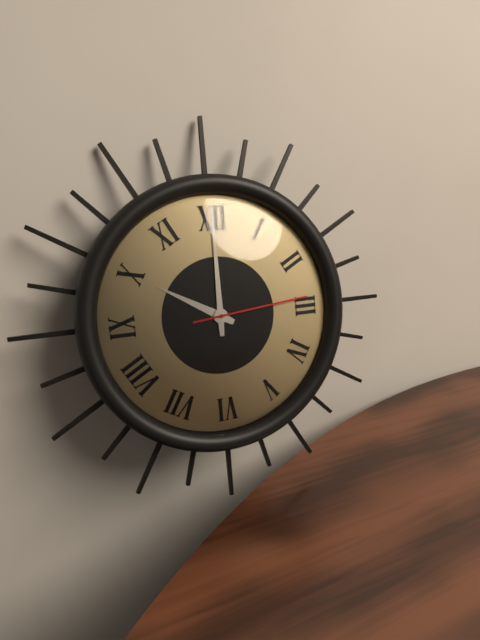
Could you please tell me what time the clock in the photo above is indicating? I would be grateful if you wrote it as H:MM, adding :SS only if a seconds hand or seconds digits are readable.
10:00:14
